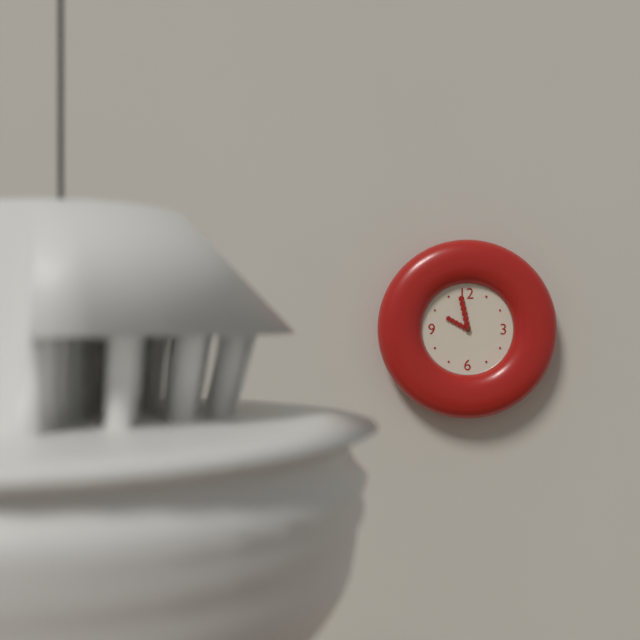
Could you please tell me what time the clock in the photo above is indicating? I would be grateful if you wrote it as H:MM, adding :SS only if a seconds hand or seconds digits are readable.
9:58
